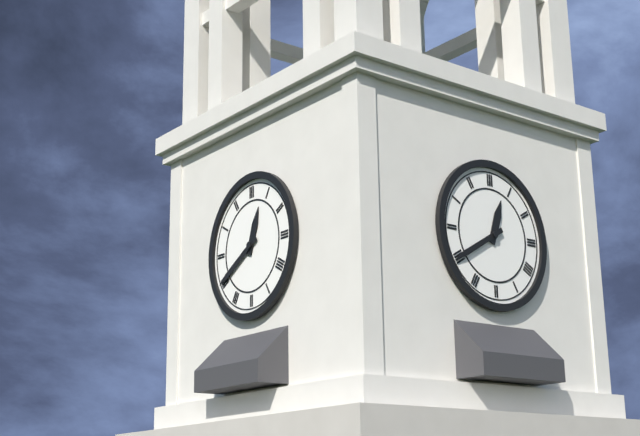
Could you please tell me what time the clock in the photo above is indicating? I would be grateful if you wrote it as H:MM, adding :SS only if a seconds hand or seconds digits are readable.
12:40
